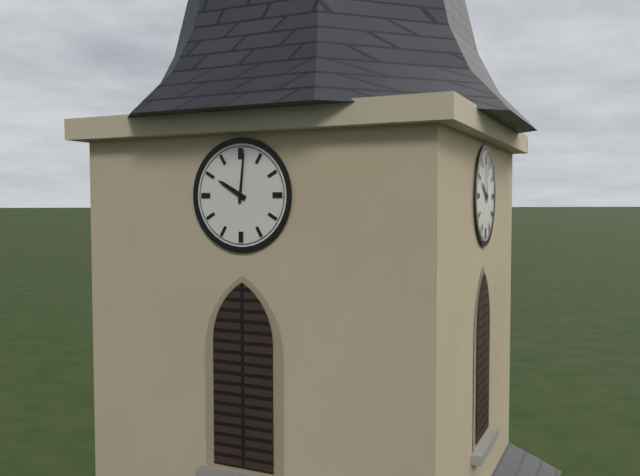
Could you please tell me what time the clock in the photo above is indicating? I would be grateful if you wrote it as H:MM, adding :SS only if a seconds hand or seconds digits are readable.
10:01
